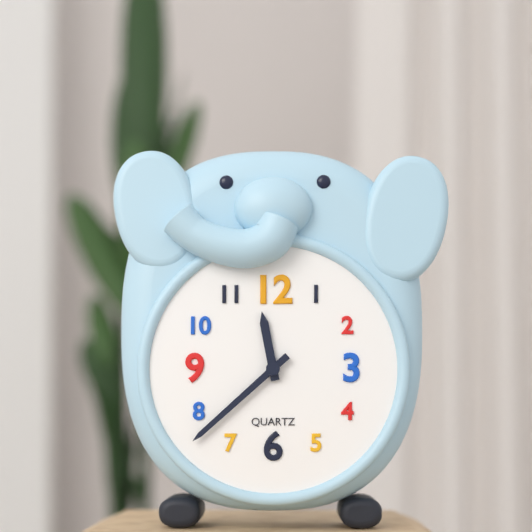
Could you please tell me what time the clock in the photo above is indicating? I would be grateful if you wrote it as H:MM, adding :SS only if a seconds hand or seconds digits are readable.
11:38
